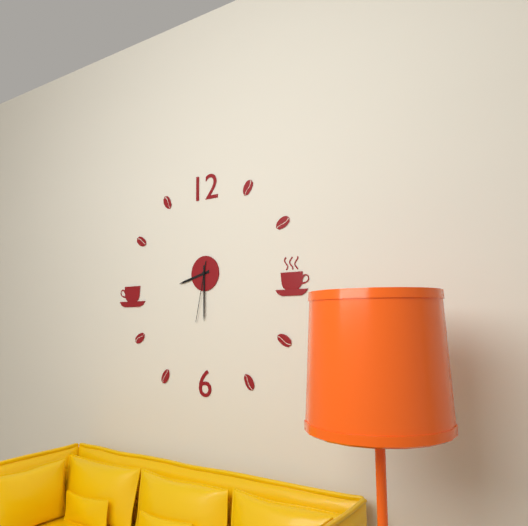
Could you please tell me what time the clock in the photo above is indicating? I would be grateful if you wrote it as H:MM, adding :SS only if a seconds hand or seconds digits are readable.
8:30:32
